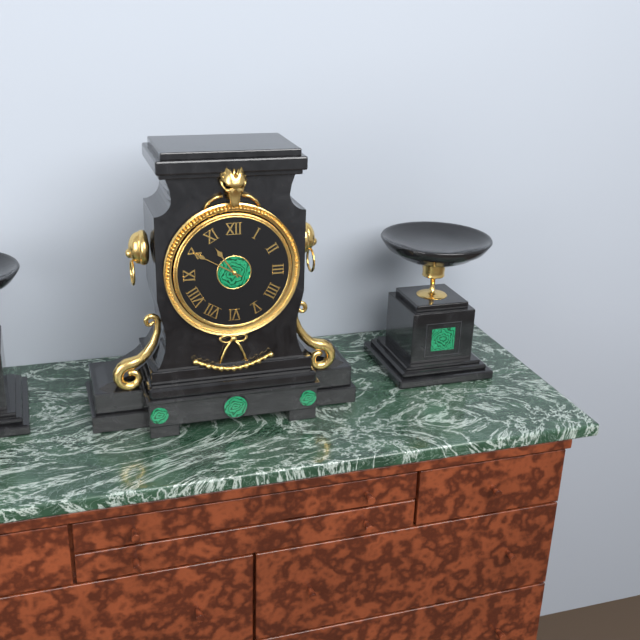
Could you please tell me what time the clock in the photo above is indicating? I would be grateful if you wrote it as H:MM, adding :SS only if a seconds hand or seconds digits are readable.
10:50
